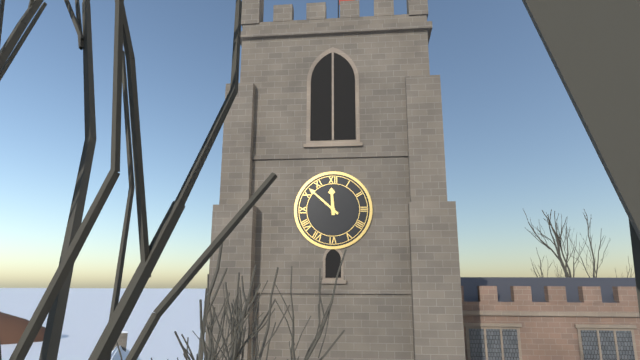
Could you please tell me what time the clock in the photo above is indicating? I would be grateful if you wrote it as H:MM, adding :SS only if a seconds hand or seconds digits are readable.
11:52
